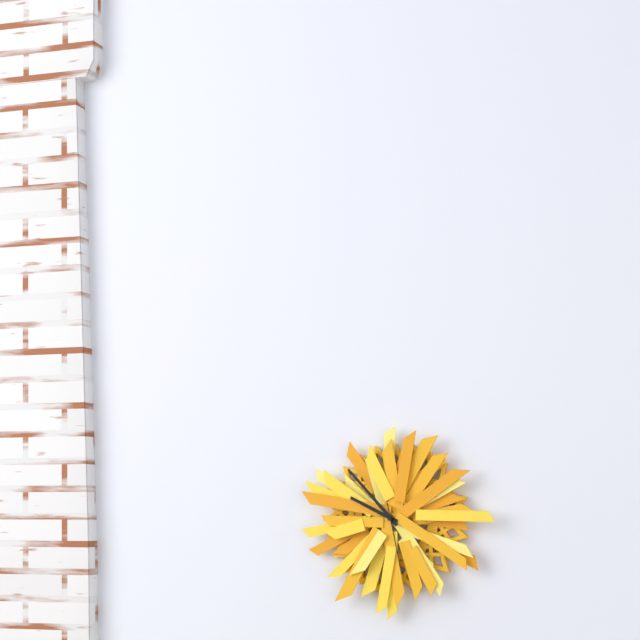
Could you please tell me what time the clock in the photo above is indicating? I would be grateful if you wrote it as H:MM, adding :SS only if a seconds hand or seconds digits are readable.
9:53:28
